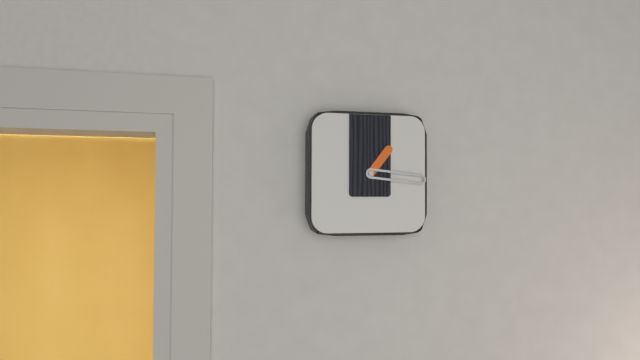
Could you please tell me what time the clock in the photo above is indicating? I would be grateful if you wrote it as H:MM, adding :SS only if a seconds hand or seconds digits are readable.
1:16
